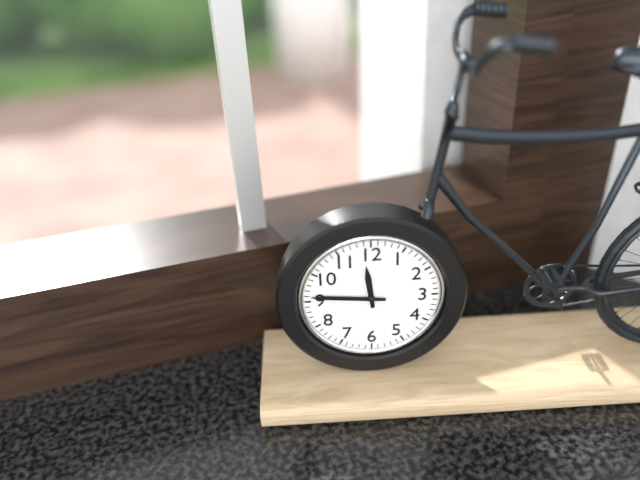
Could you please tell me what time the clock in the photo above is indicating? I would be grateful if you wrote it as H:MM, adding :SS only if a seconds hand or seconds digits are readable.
11:46
